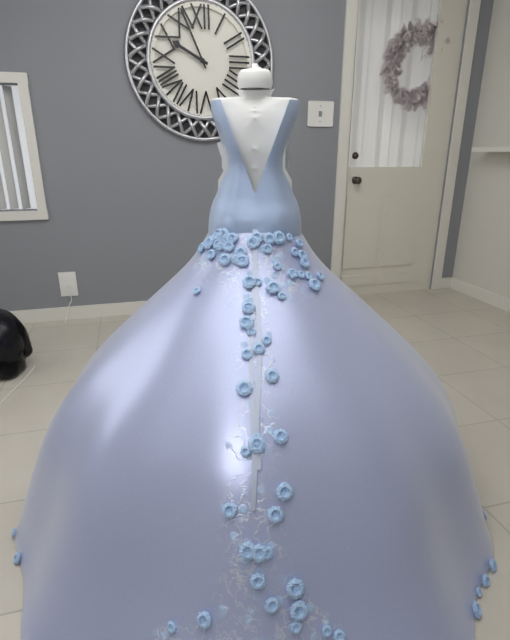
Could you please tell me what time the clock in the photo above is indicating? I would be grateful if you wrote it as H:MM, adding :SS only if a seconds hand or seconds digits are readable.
9:56
